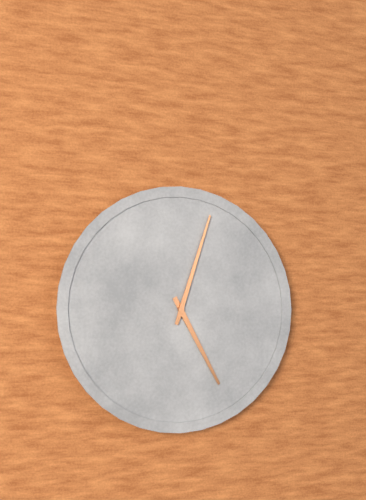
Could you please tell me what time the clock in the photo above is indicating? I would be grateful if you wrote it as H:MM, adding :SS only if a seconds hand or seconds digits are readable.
5:03
